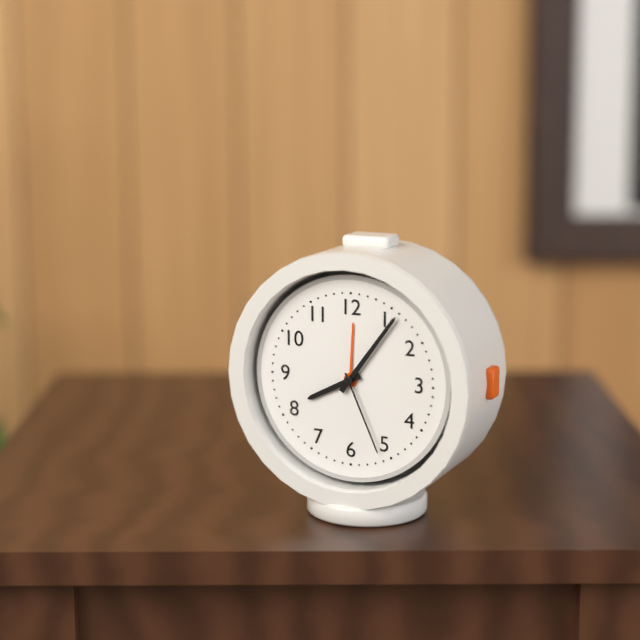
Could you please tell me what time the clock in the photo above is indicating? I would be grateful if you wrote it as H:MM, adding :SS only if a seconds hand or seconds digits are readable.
8:06:26
